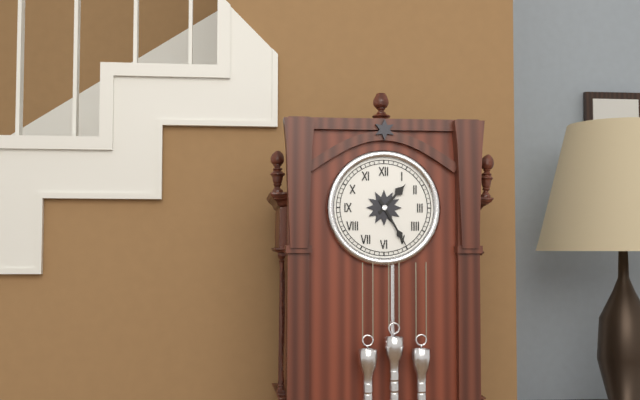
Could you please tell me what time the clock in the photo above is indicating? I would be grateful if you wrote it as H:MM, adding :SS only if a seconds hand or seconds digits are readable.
1:25
